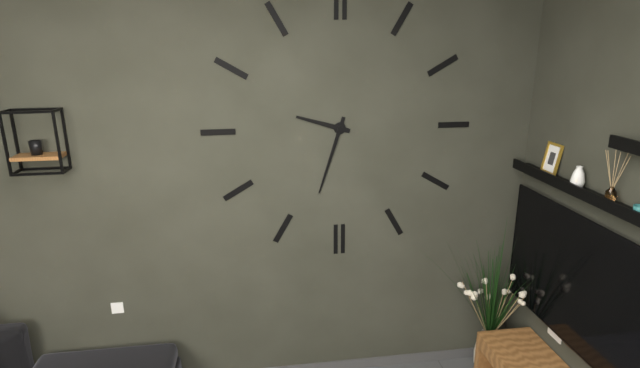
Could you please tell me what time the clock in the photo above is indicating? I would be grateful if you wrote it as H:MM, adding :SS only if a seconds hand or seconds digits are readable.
9:33
